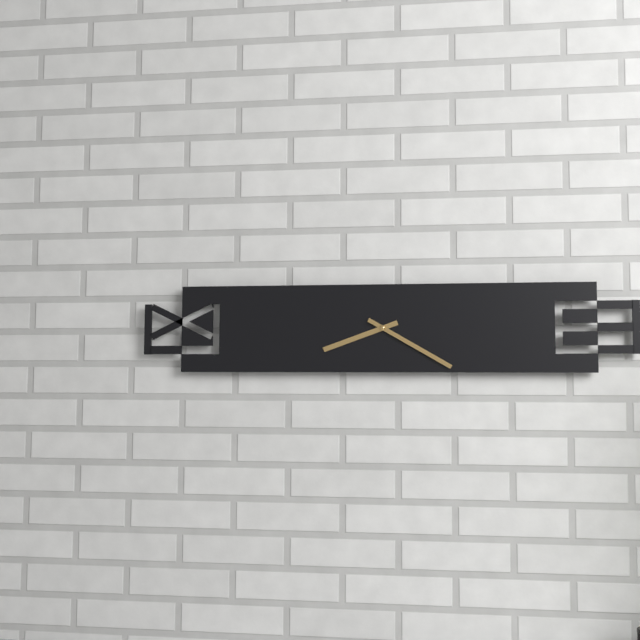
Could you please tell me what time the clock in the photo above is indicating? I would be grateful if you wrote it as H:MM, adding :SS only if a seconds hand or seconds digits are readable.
8:20
